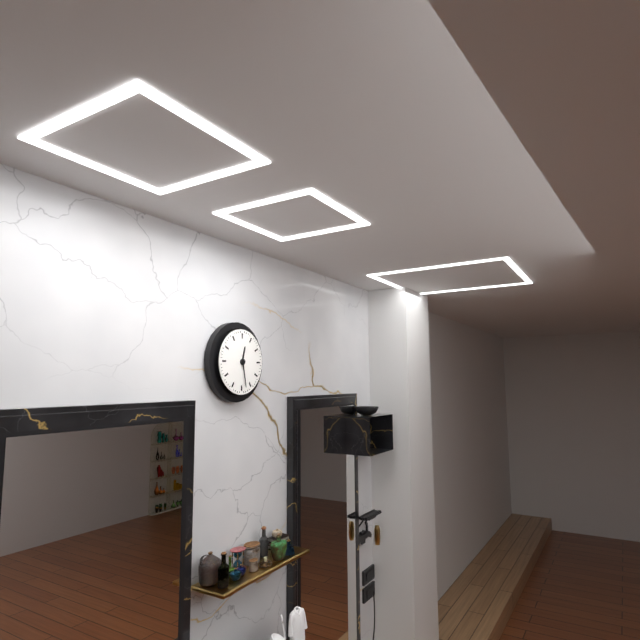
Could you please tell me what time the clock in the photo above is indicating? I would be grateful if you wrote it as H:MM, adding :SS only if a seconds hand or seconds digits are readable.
12:28
